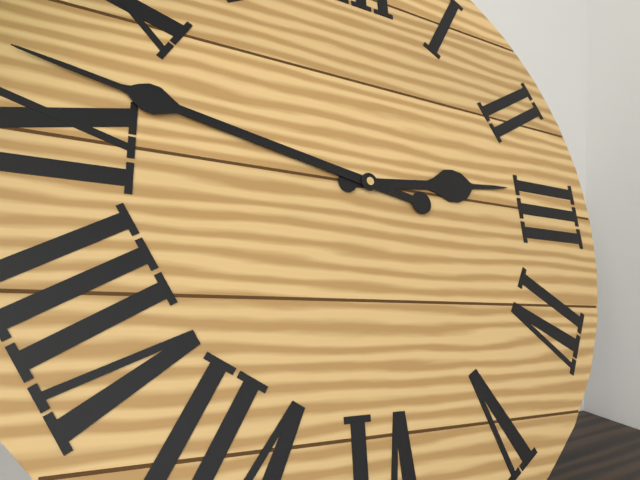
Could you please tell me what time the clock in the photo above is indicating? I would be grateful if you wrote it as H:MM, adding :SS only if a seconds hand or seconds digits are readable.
2:47
